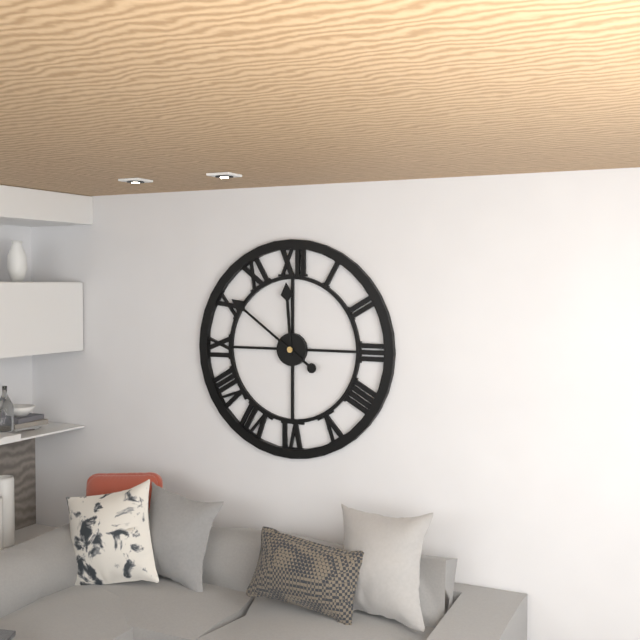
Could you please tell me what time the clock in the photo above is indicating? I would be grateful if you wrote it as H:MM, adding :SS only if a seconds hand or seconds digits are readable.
11:51
